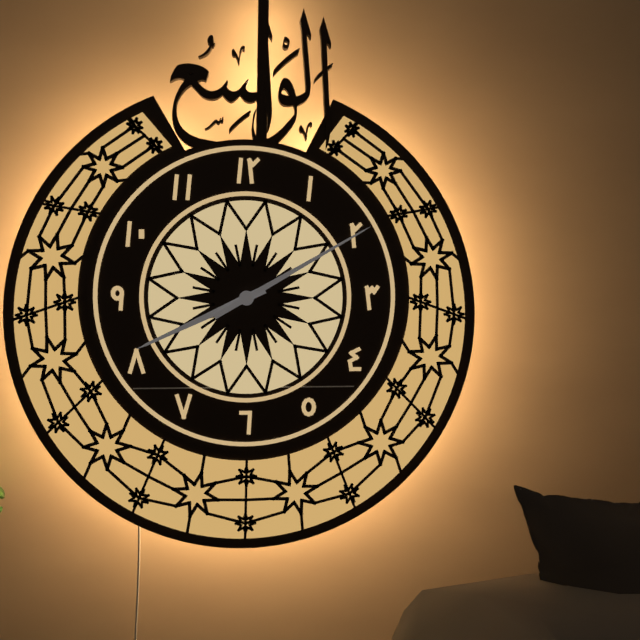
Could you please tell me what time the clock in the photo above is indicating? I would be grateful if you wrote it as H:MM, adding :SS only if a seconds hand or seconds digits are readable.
8:10
